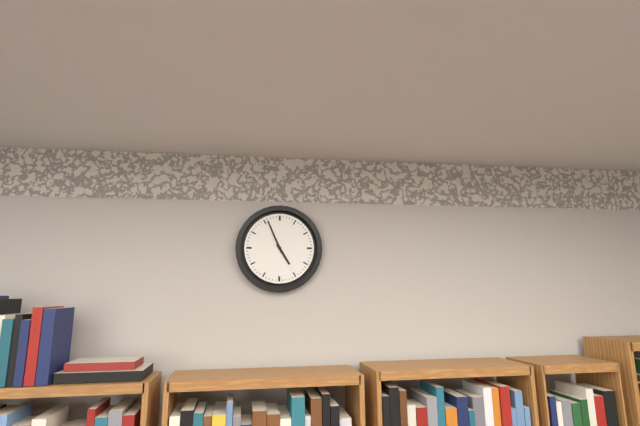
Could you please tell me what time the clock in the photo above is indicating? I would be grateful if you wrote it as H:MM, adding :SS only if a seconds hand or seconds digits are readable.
4:56
